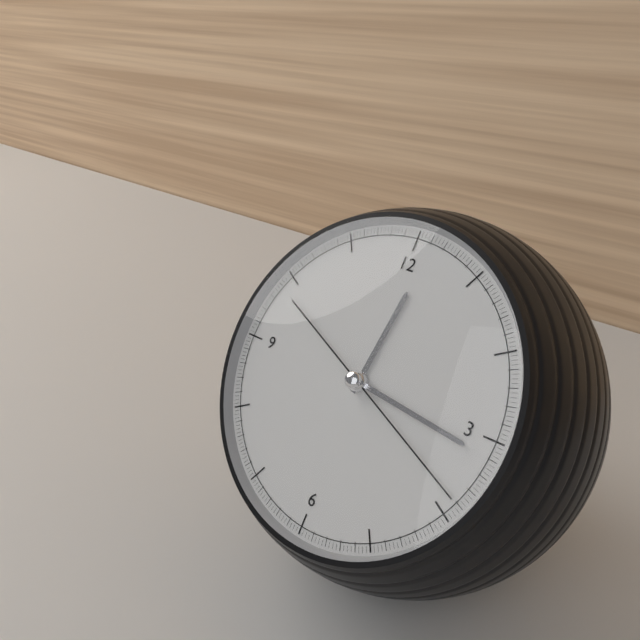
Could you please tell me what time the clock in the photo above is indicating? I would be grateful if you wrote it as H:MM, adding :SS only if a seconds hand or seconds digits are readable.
12:16:19
